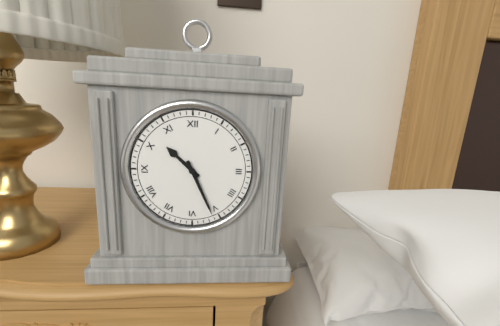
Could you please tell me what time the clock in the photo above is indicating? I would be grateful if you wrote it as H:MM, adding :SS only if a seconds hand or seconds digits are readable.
10:26
